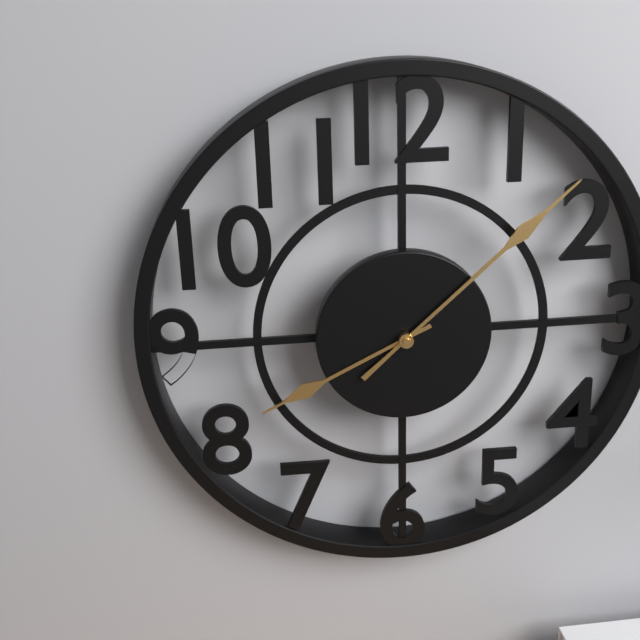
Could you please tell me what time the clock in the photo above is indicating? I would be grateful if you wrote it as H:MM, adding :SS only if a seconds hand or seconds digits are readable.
8:08
